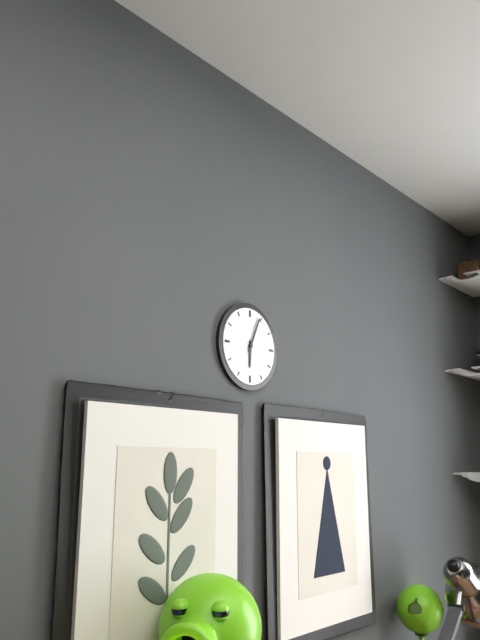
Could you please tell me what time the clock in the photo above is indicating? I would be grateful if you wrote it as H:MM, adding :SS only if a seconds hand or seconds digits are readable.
6:04
